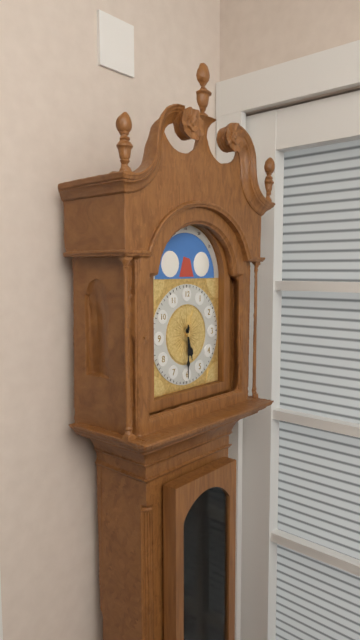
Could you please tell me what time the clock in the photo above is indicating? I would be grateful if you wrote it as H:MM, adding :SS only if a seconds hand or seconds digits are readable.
5:30
